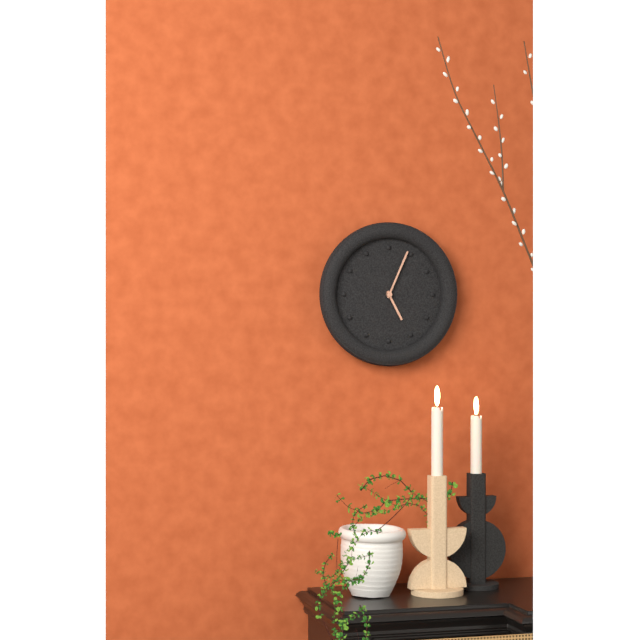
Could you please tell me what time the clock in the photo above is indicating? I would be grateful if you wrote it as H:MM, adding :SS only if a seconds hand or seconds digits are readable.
5:04
